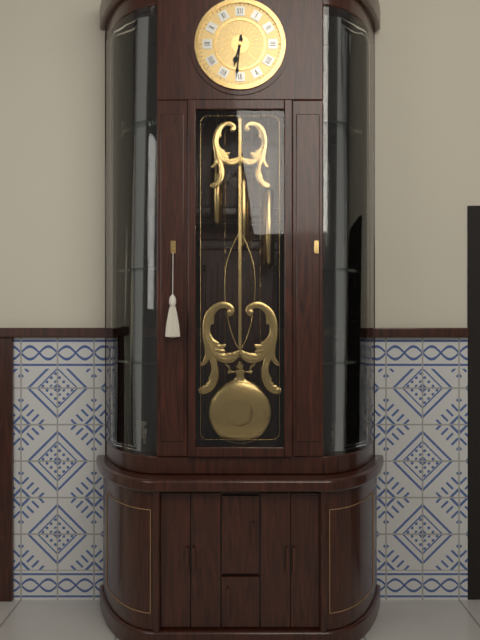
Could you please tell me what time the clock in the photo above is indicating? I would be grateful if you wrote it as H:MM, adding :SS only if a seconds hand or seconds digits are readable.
6:31
